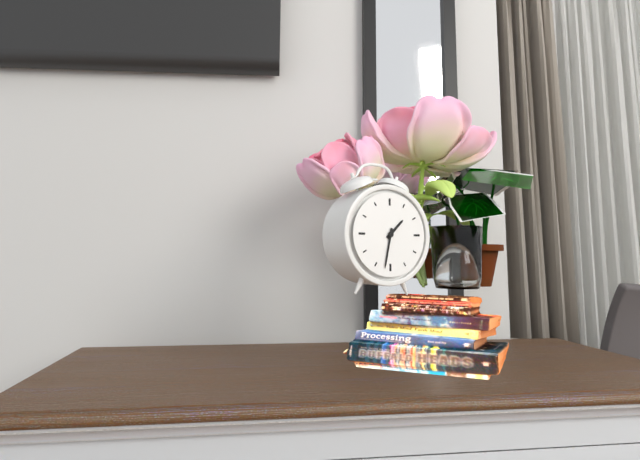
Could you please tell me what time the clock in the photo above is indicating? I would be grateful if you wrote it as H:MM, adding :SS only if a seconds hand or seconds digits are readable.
1:32
